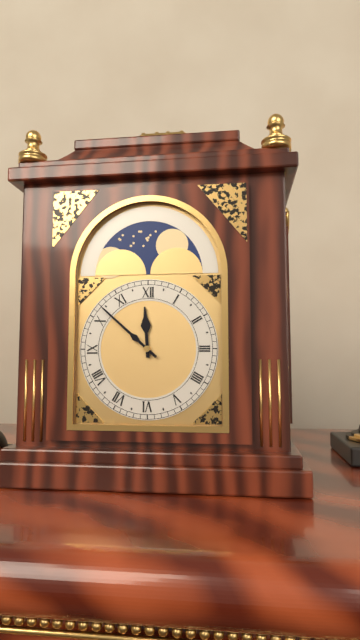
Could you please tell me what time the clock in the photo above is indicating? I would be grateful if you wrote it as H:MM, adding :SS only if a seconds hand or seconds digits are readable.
11:52
